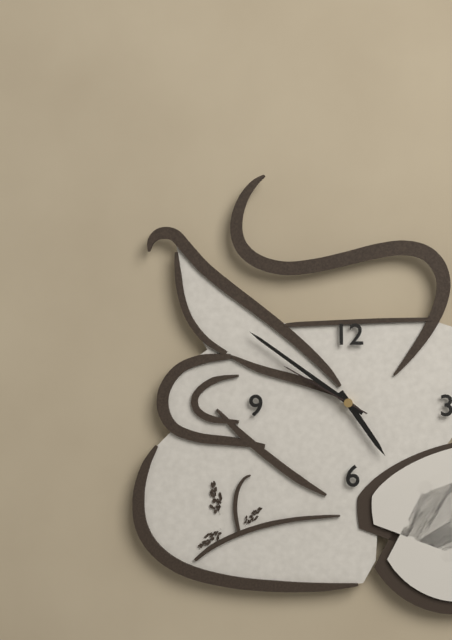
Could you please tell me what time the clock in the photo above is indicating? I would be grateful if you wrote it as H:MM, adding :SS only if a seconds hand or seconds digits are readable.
4:51:50
